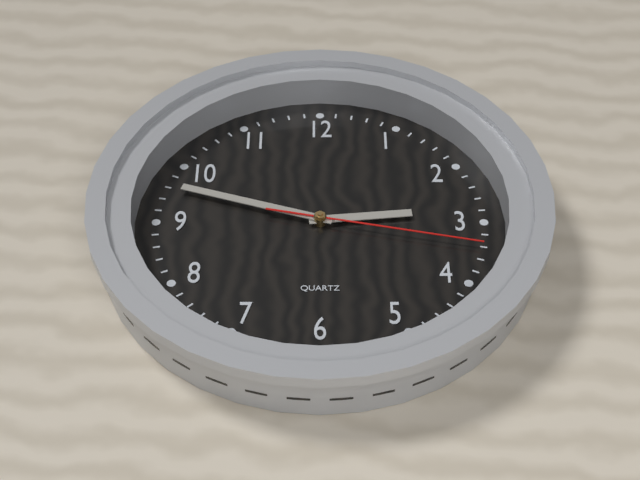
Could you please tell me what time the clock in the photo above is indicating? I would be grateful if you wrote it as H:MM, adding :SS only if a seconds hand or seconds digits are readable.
2:48:17
